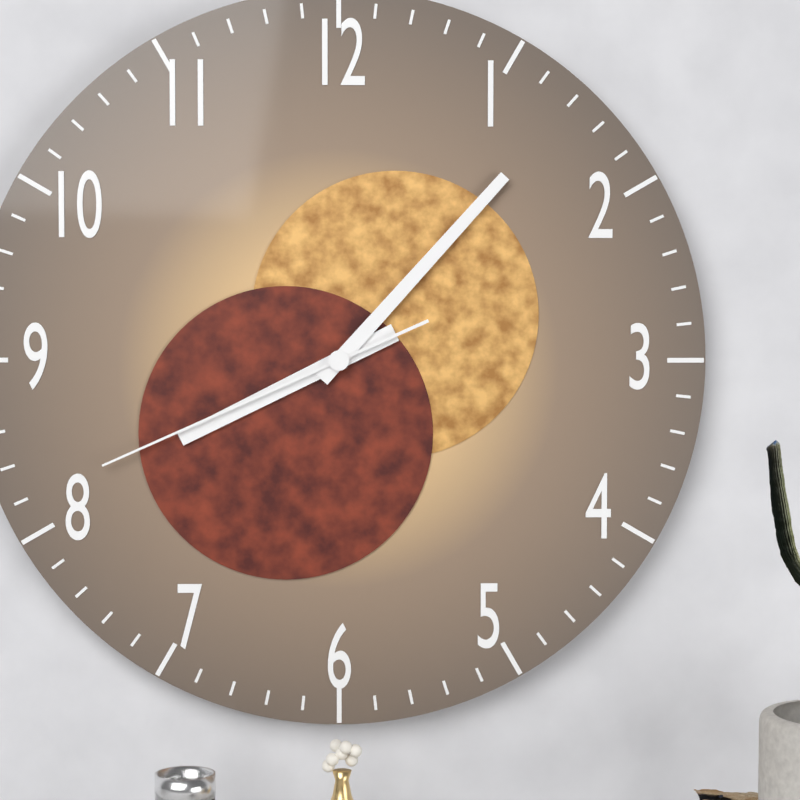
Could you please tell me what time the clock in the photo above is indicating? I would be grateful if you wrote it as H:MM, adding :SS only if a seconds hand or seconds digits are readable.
8:07:41
